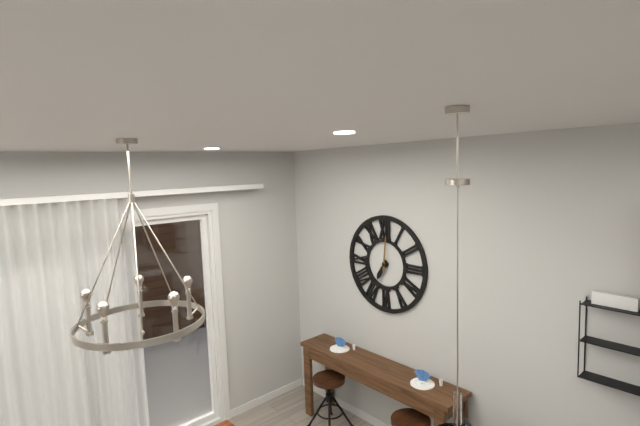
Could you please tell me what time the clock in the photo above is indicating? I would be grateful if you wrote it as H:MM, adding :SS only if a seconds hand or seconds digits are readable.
7:01
